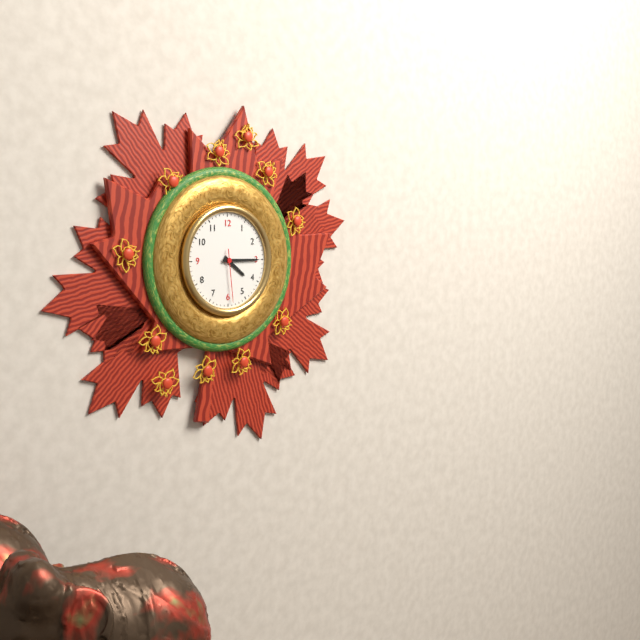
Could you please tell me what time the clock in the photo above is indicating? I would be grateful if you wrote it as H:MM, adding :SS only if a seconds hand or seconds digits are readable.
4:15:29
